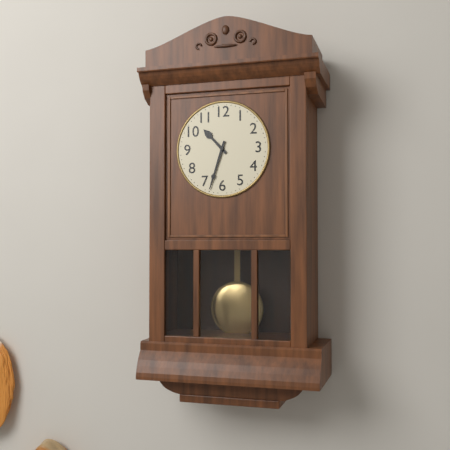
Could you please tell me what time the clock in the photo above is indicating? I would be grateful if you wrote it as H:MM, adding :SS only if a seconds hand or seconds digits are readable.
10:33
